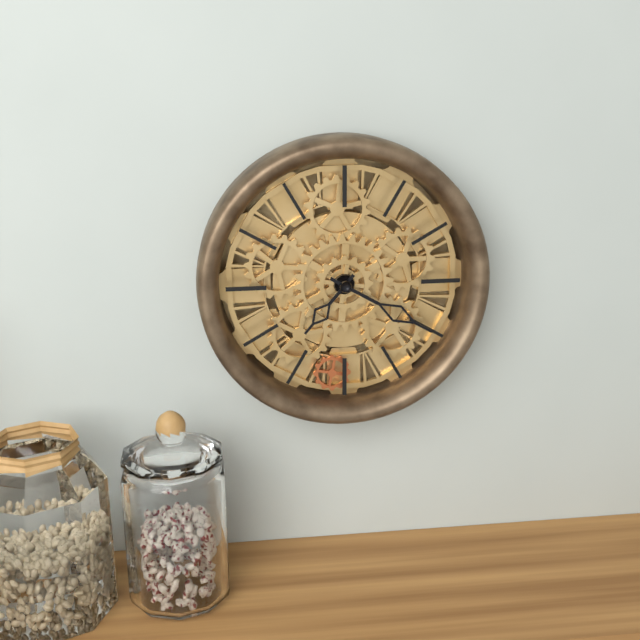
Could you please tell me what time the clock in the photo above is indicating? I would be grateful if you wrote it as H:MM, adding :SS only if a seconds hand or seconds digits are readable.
7:20
